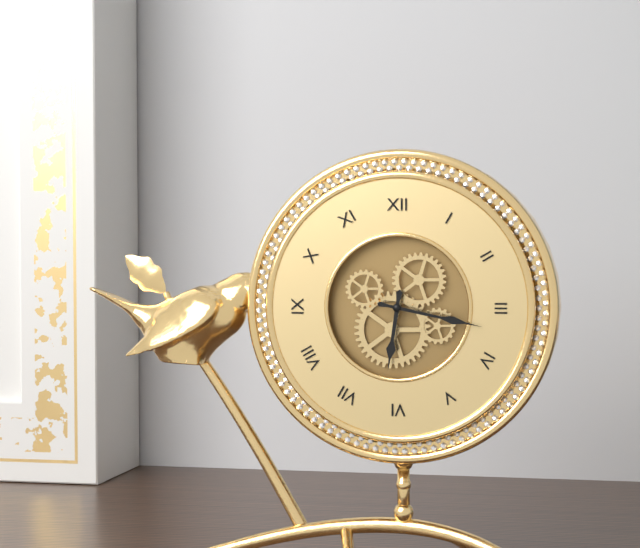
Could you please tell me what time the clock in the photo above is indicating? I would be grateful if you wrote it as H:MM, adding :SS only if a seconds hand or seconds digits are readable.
6:17
